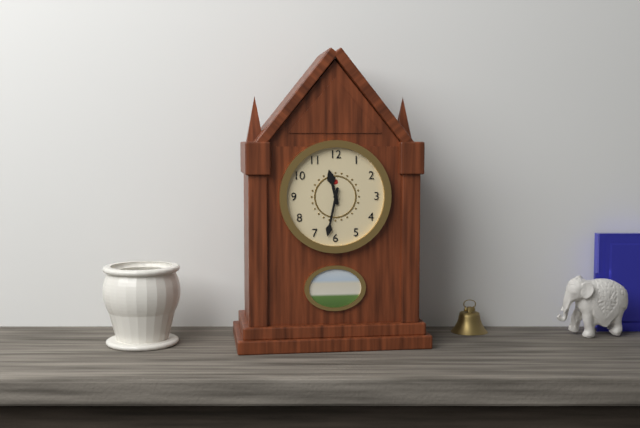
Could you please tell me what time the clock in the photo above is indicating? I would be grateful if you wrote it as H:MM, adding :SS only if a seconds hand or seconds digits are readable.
11:32
